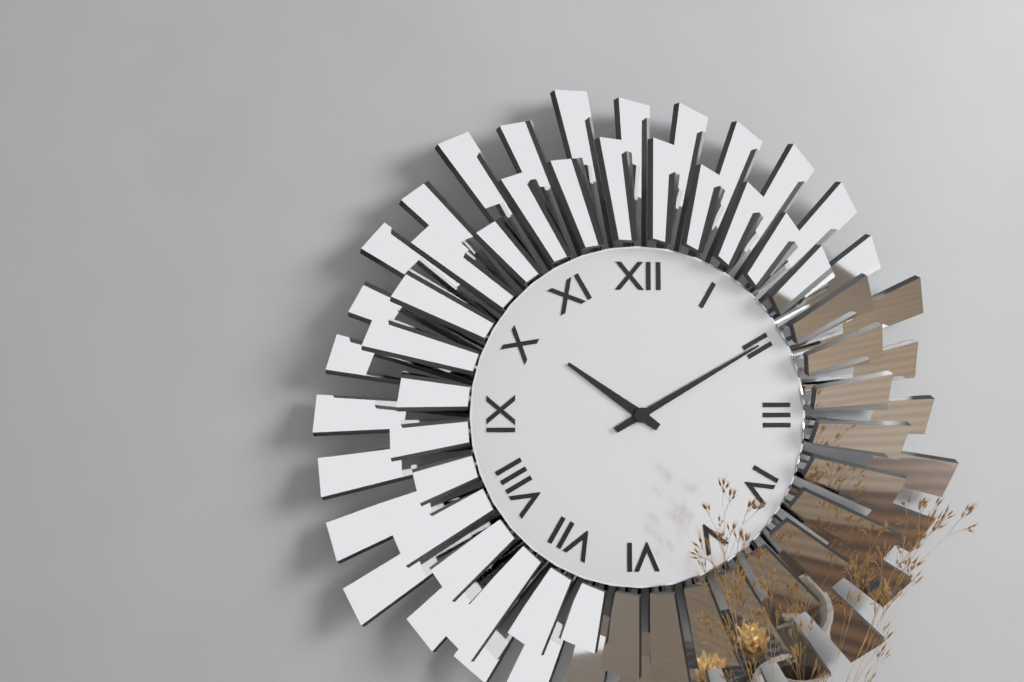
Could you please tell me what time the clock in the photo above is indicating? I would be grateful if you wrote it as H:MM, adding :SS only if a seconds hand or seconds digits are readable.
10:10
